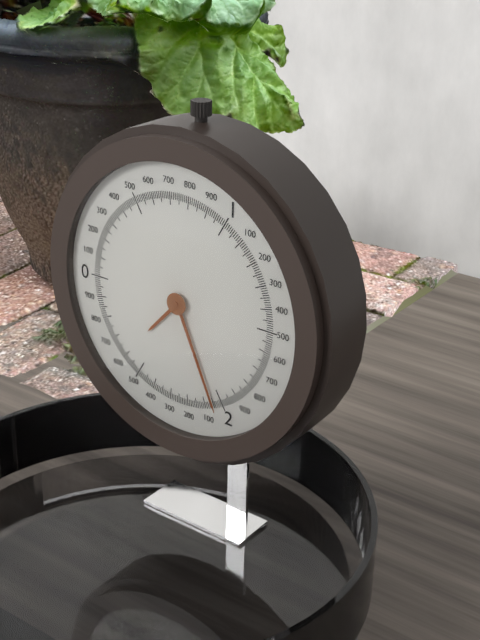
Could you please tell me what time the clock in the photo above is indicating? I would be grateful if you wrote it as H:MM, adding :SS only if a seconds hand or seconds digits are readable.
7:26
